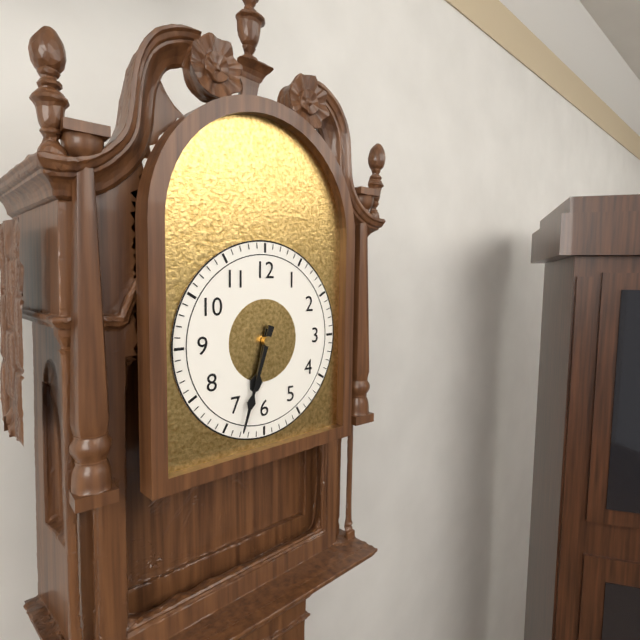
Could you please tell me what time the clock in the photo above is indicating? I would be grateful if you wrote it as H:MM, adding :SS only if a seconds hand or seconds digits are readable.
6:33
